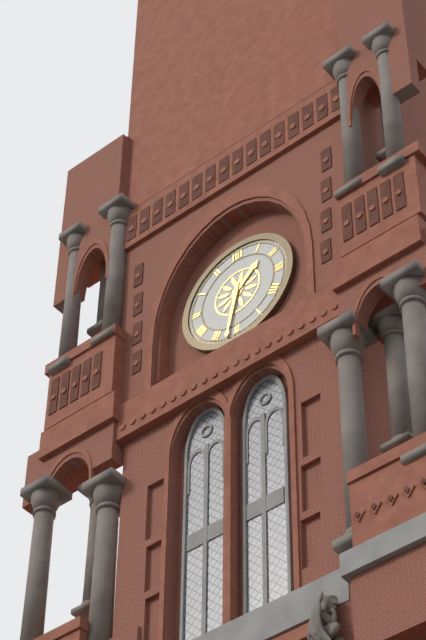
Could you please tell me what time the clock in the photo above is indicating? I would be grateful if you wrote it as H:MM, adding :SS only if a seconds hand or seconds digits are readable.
1:32
